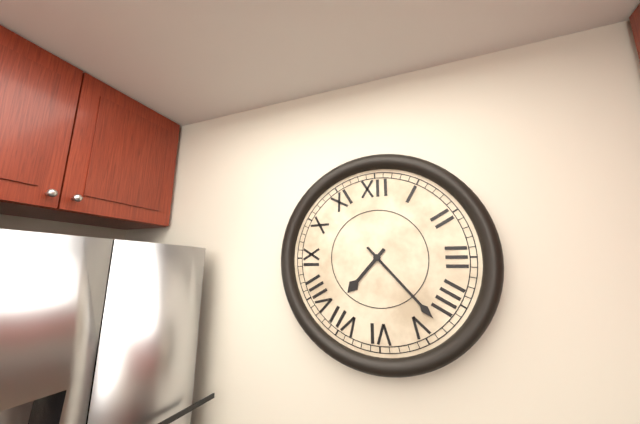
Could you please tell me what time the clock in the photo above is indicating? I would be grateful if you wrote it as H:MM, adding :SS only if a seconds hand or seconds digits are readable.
7:23
